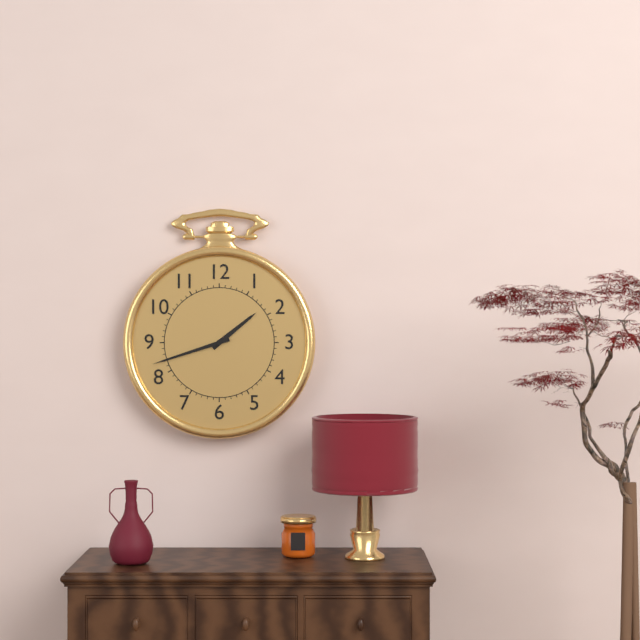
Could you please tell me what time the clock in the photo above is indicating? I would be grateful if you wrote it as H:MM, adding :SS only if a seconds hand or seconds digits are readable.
1:42
